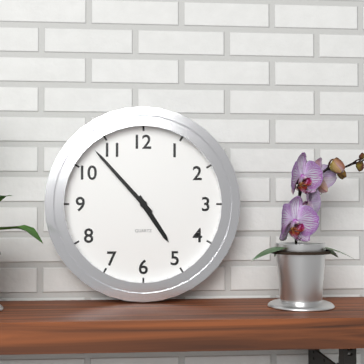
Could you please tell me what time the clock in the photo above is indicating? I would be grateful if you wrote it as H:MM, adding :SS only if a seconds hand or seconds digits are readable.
4:53
